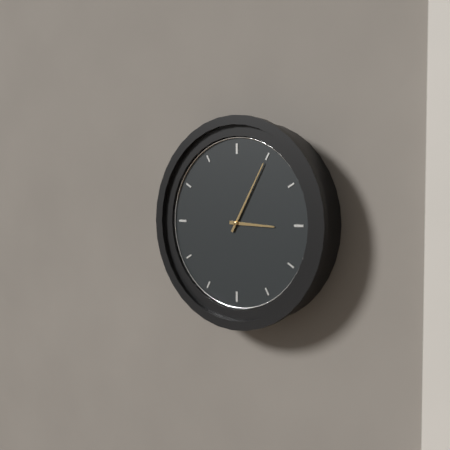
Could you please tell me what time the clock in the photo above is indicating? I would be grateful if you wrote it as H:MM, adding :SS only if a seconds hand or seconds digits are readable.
3:05
